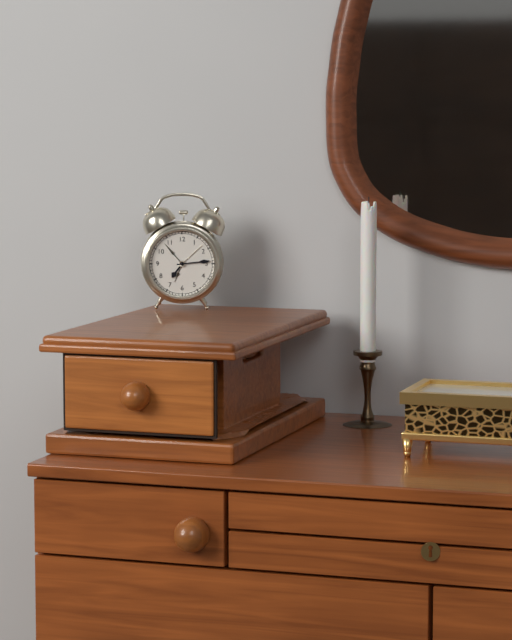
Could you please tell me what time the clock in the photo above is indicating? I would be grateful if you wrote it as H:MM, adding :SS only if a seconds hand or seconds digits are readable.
7:14
